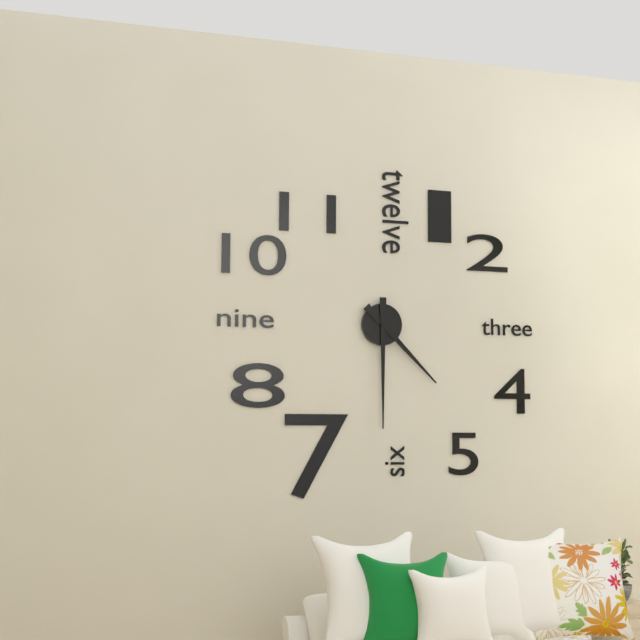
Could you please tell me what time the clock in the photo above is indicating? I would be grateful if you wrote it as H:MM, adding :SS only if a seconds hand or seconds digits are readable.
4:30
